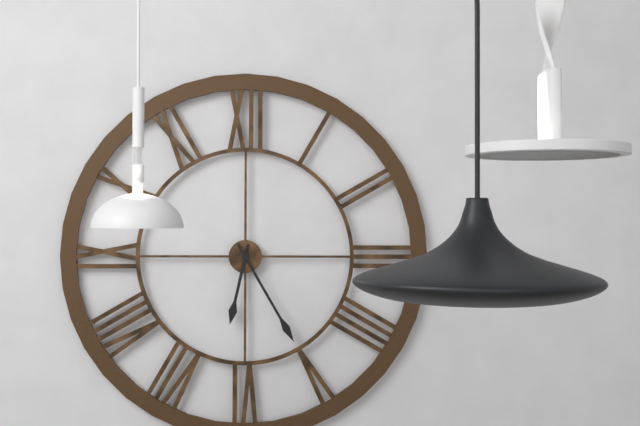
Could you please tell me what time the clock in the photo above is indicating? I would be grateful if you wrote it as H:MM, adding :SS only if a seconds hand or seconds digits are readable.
6:25
